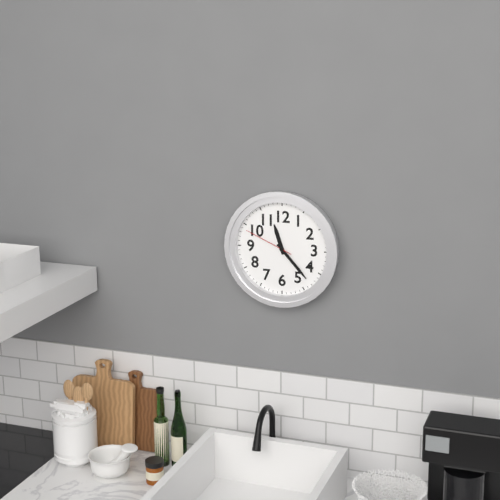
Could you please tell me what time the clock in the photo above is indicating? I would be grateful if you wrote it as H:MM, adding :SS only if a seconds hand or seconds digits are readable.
11:23:49
